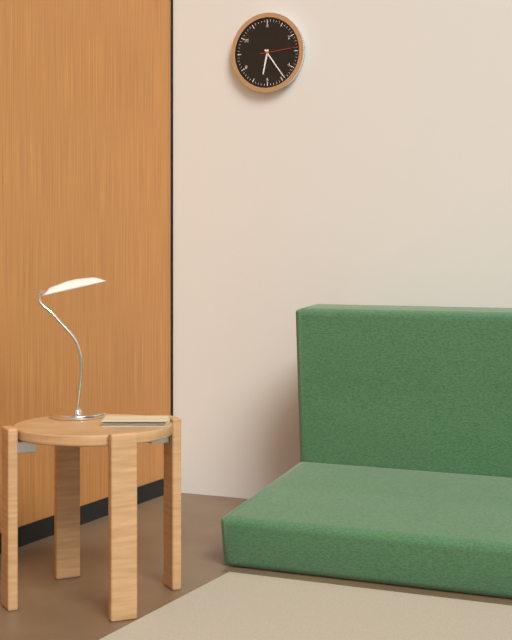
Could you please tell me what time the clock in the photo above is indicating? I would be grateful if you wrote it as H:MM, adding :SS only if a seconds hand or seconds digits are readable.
6:24
